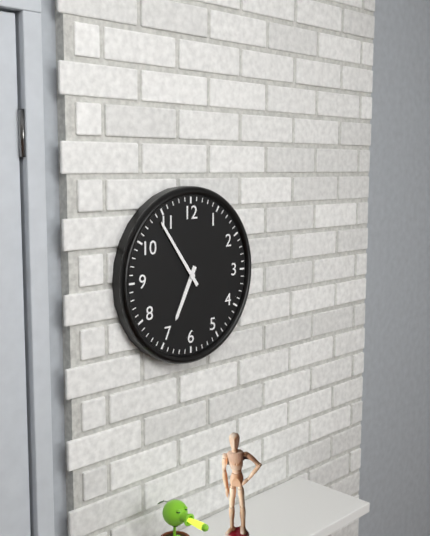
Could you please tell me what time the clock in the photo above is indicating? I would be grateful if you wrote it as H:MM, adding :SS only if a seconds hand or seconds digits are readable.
6:54
